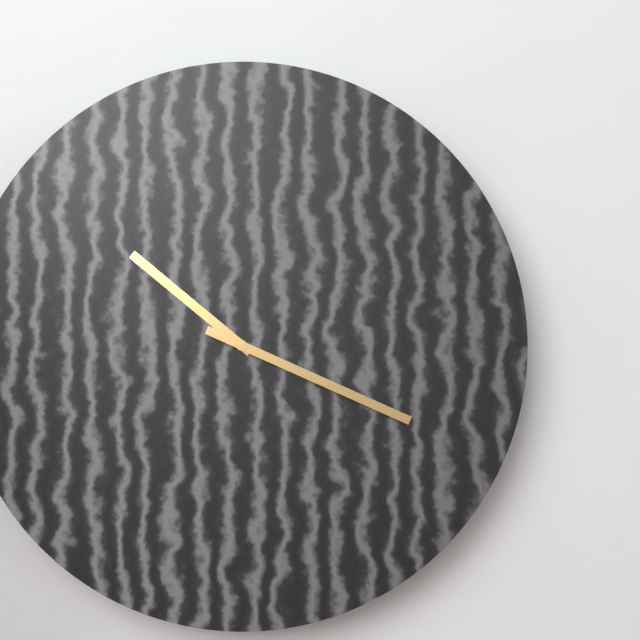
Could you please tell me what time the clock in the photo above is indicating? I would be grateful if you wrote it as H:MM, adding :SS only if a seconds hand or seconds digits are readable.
10:19
